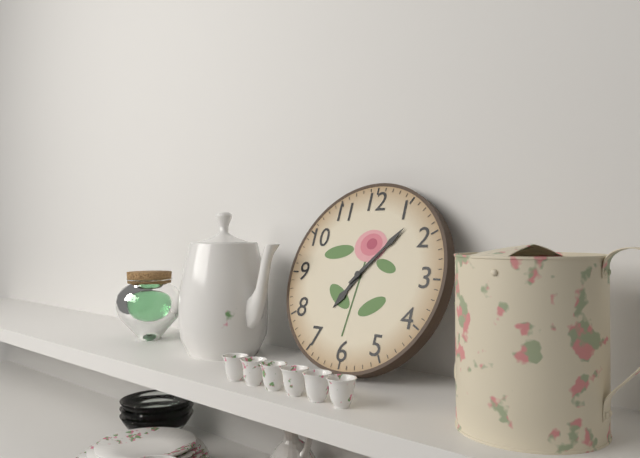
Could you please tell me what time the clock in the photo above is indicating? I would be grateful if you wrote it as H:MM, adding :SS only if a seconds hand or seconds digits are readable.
7:07
